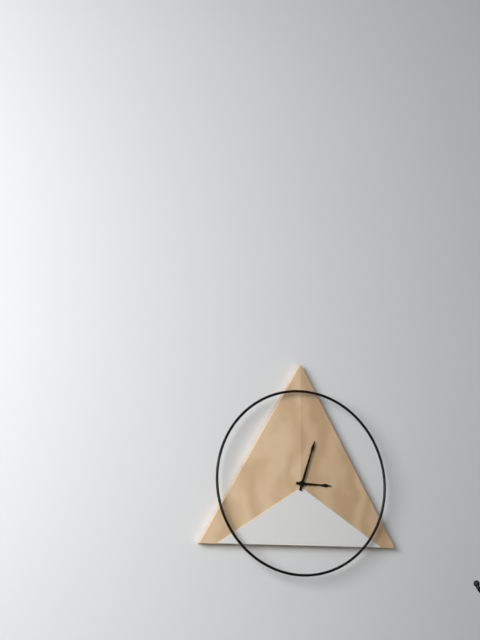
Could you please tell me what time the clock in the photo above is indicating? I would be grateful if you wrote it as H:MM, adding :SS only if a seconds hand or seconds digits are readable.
3:03
